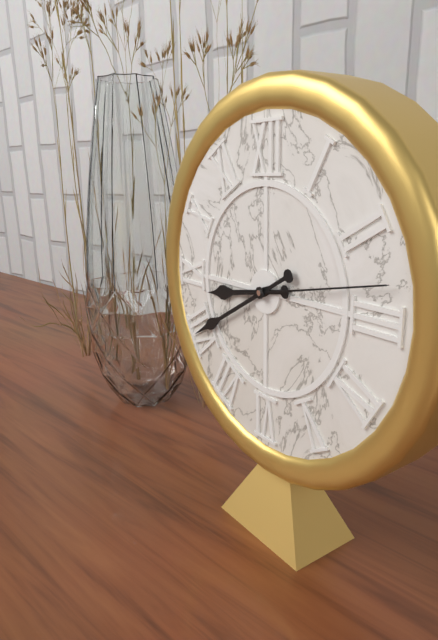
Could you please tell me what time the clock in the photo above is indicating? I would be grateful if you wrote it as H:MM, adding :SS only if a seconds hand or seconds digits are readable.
8:40:13
